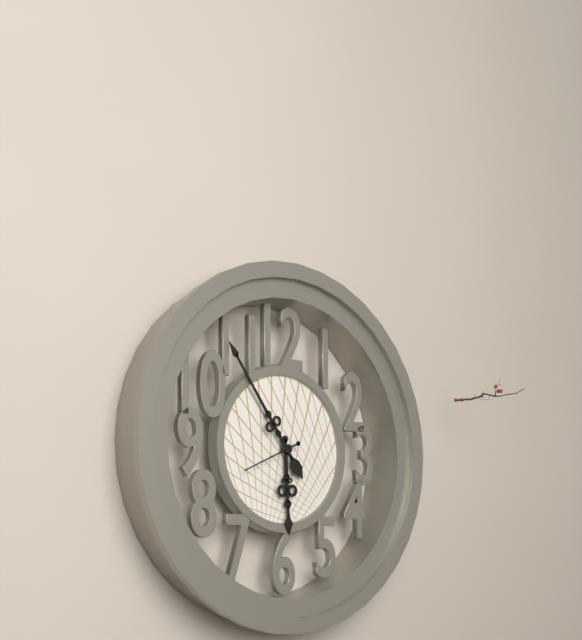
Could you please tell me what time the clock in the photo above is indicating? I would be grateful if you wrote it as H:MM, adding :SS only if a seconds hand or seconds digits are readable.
5:54
